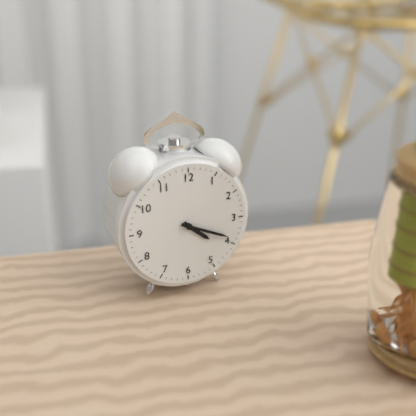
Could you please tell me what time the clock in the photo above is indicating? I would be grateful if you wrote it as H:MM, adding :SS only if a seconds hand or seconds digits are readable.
4:19
